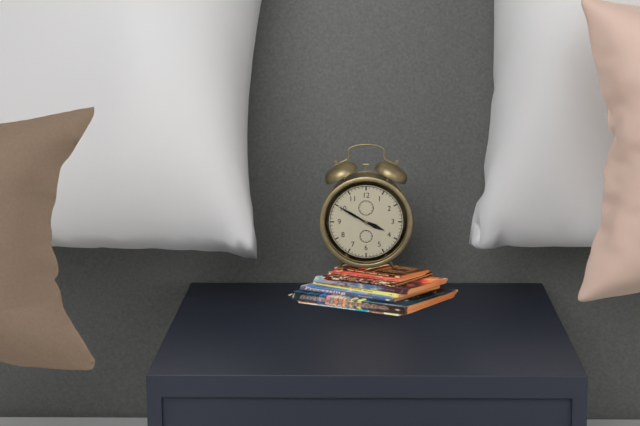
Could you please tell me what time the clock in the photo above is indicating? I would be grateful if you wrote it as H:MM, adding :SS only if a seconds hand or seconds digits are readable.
3:50
